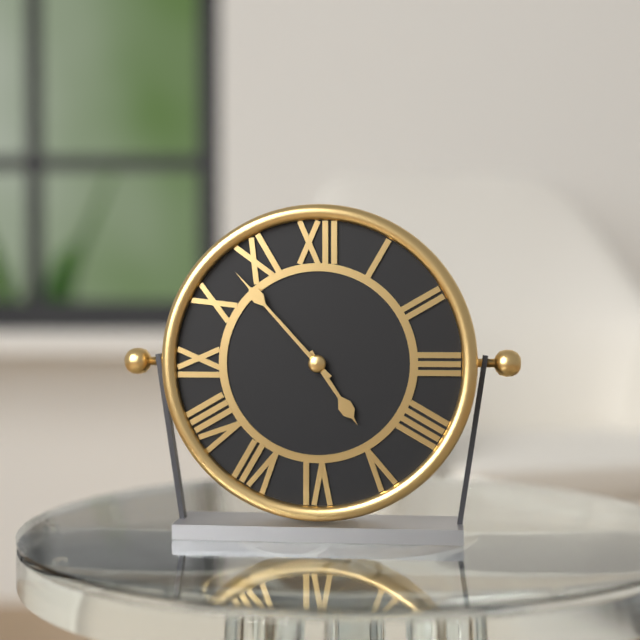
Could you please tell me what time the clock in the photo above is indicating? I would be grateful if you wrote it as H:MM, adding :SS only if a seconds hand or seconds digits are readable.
4:53
